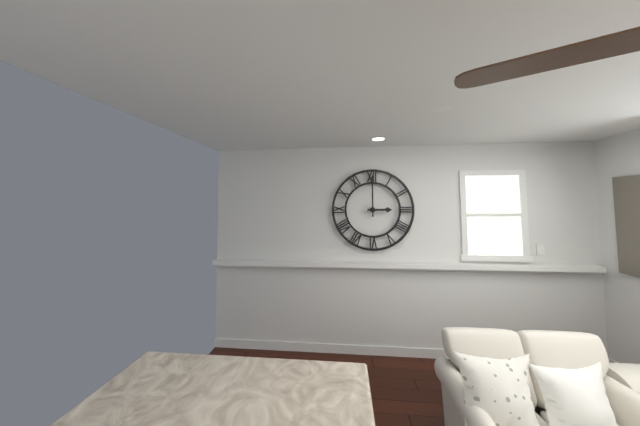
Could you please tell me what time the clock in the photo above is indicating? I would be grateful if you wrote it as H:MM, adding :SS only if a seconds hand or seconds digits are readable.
3:00
